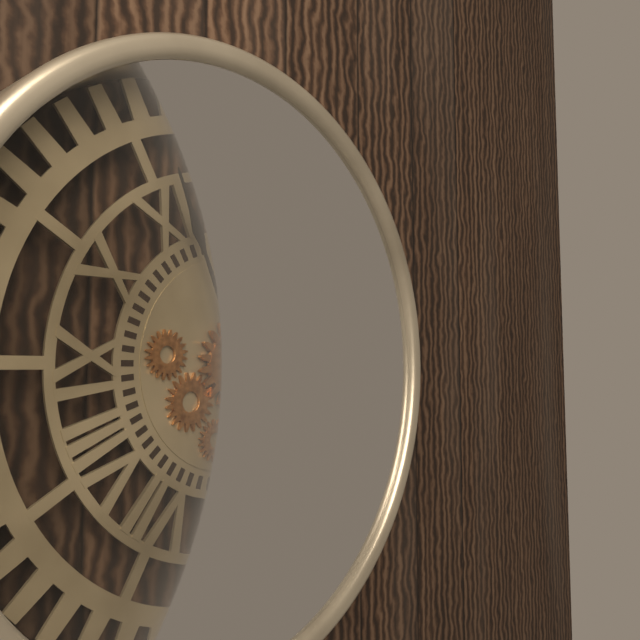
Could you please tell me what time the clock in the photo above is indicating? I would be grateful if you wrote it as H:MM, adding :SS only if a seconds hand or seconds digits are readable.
5:56
